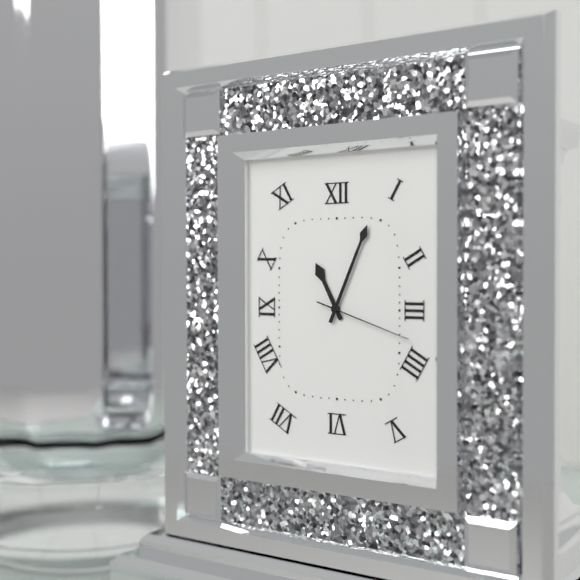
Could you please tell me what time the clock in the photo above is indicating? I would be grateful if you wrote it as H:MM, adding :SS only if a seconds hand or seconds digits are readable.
11:04:18
